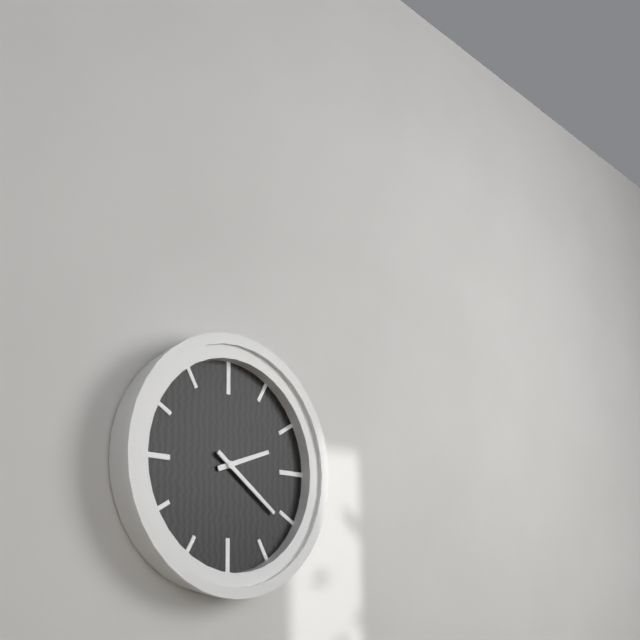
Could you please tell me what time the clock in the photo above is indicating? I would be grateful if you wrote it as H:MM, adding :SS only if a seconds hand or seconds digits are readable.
2:21
